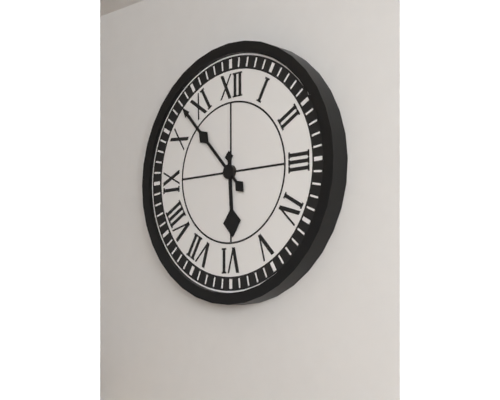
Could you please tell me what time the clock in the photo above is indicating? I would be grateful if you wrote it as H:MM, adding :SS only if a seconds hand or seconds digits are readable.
5:53
